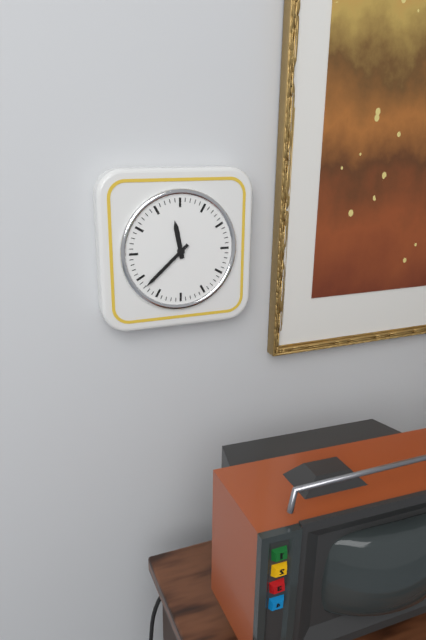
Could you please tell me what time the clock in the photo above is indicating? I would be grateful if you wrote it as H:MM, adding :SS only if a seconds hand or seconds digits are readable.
11:38
